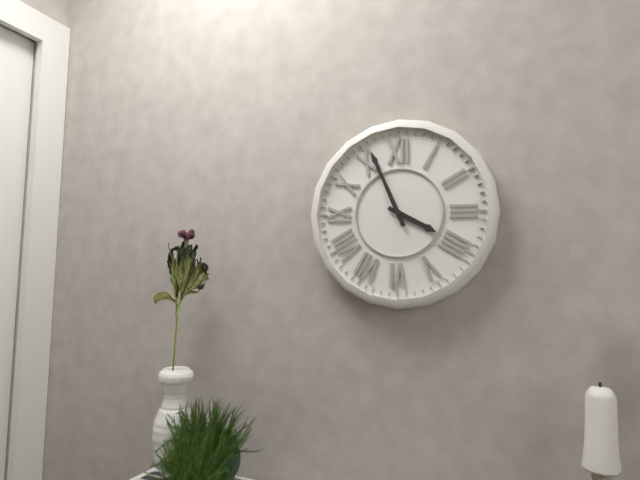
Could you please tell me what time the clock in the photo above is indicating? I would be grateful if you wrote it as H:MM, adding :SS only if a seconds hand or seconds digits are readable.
3:56
